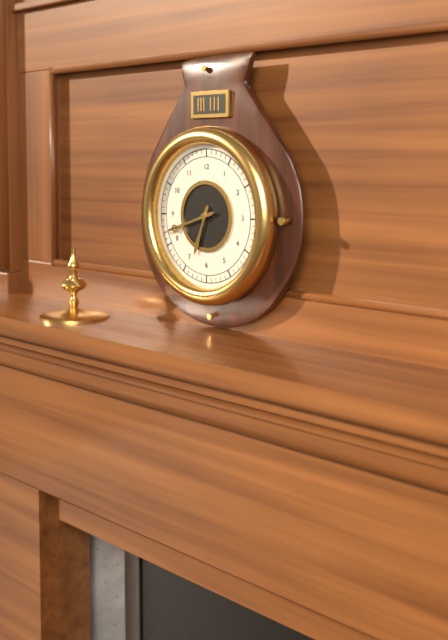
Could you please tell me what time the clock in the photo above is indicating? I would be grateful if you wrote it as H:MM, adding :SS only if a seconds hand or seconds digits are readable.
6:42
